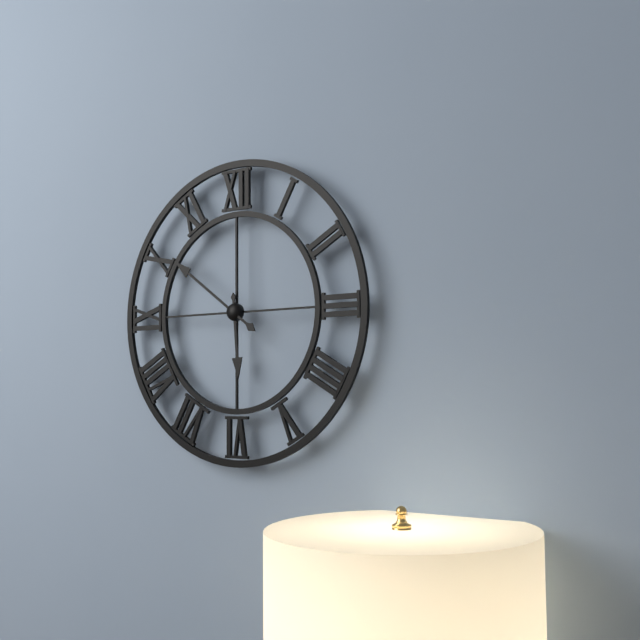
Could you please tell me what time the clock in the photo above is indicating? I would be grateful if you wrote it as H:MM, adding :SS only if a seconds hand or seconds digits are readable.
5:51
